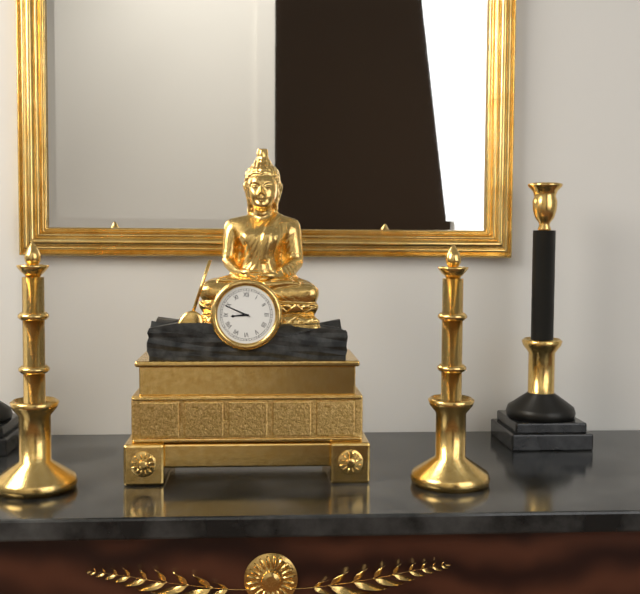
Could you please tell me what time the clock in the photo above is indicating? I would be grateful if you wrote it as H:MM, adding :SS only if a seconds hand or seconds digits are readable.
8:49
